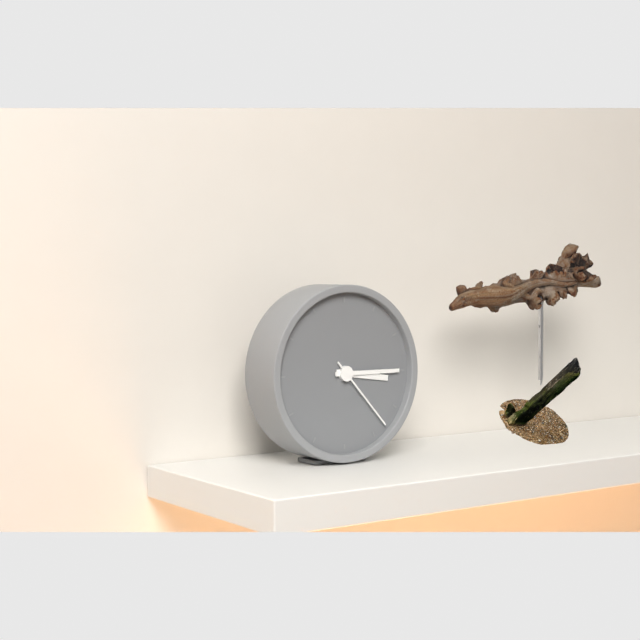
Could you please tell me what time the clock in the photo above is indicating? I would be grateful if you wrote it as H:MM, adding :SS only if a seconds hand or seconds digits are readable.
3:15:23
